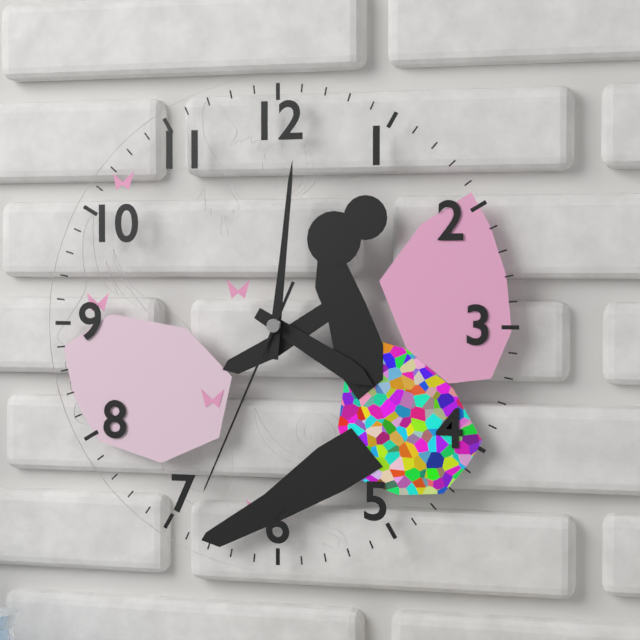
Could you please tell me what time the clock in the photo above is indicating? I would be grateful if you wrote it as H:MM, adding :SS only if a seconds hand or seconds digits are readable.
4:01:34
